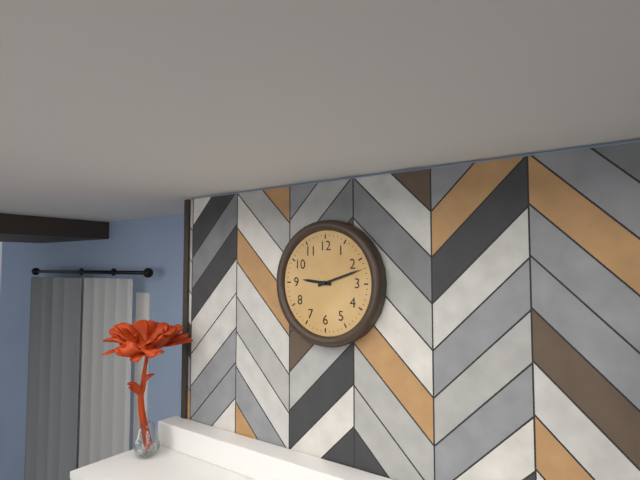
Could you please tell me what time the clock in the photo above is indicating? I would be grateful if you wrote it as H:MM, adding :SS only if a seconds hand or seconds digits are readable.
9:12
